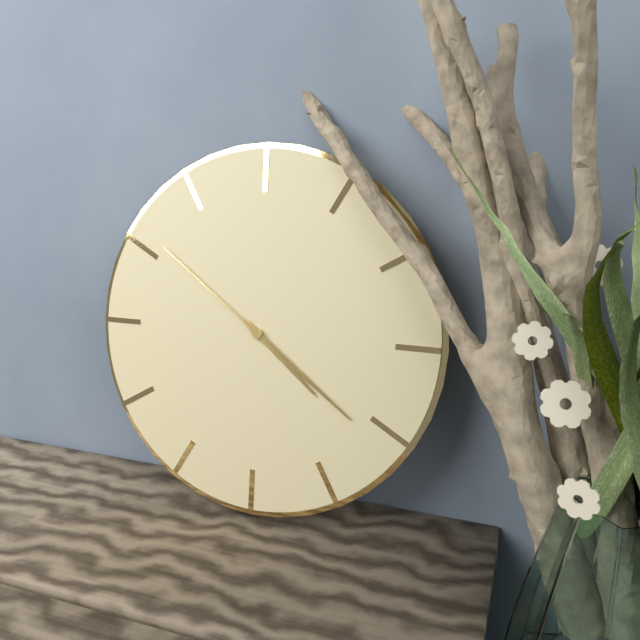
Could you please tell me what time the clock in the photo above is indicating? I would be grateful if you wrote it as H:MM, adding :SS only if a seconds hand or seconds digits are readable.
4:21:51
